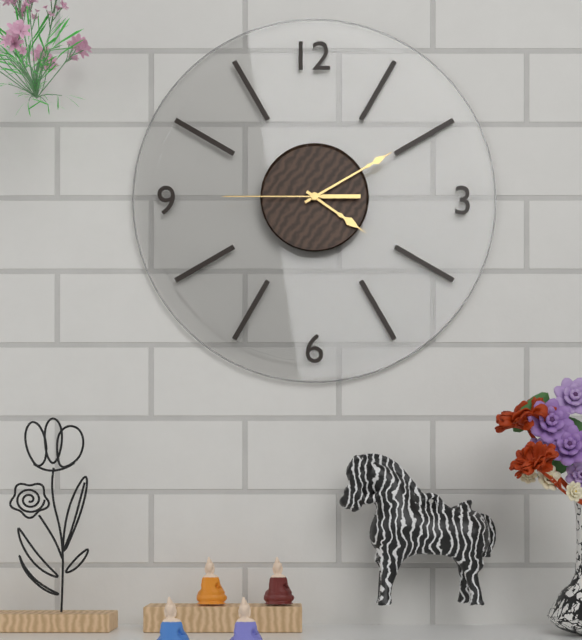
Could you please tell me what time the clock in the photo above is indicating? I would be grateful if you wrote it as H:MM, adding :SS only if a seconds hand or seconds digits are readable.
4:10:45
